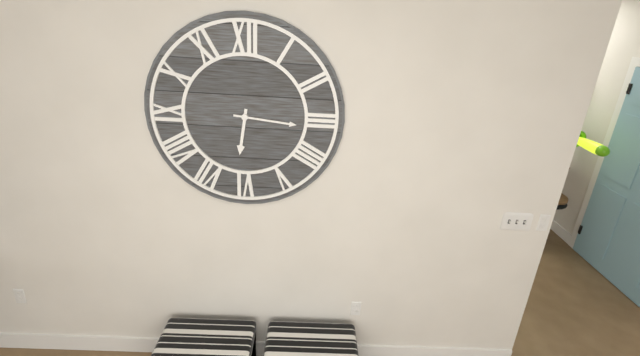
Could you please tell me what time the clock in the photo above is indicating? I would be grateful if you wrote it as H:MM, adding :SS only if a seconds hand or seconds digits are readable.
6:16
